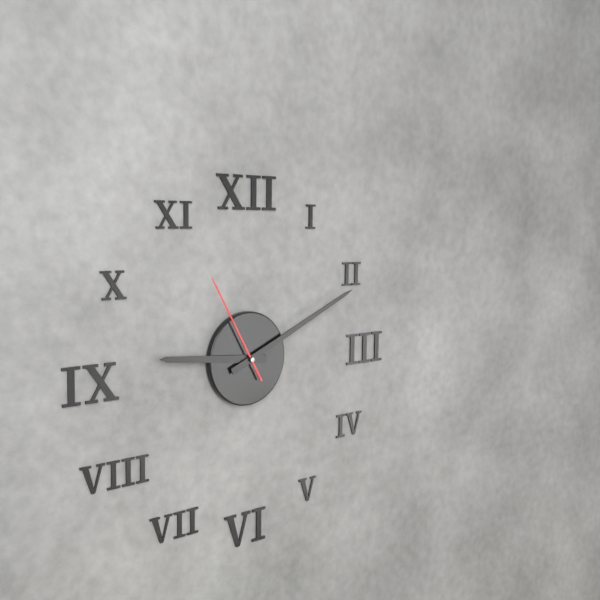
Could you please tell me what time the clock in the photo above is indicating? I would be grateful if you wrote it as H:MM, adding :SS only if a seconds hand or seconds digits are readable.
9:11:55
